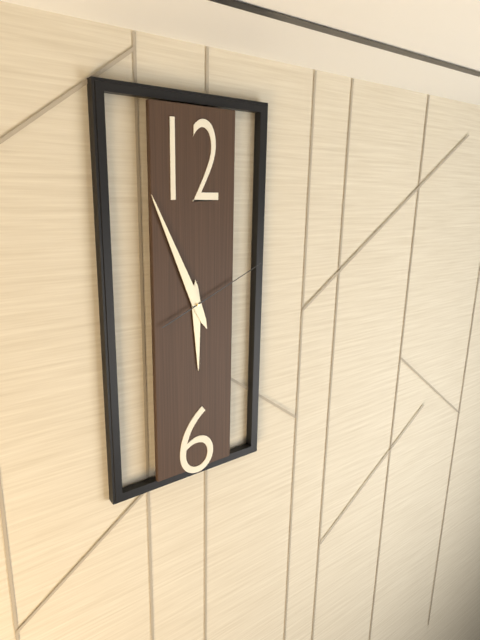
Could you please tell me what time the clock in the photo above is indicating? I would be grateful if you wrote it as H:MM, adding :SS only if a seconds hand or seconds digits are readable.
5:56:11
